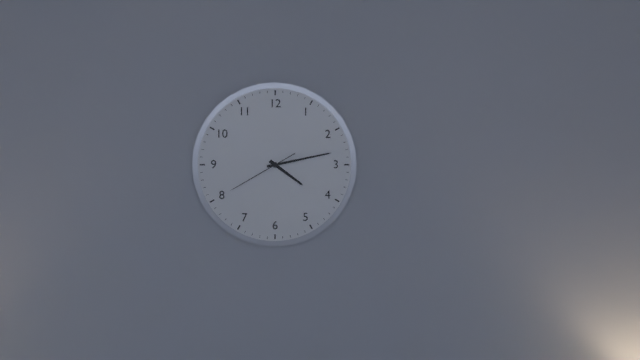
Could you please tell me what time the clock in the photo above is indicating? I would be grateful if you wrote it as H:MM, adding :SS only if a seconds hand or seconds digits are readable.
4:13:40
